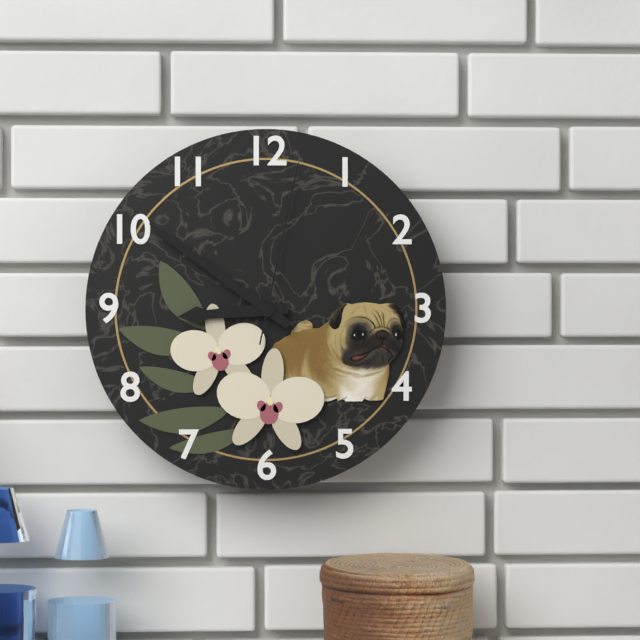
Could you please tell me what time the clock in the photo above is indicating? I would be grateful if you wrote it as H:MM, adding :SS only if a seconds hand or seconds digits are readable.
8:51:02
